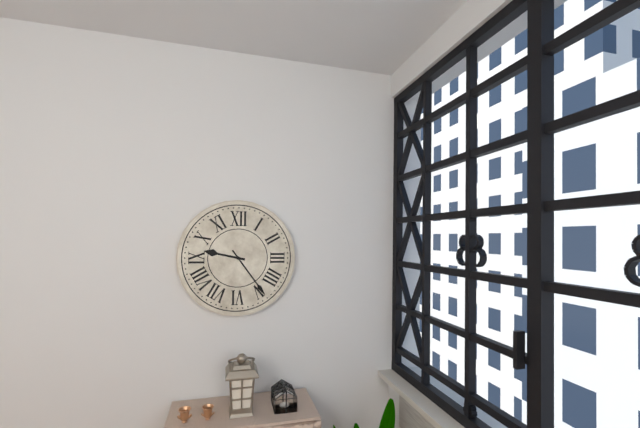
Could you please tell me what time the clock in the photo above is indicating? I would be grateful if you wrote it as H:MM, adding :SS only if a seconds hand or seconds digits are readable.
9:24
